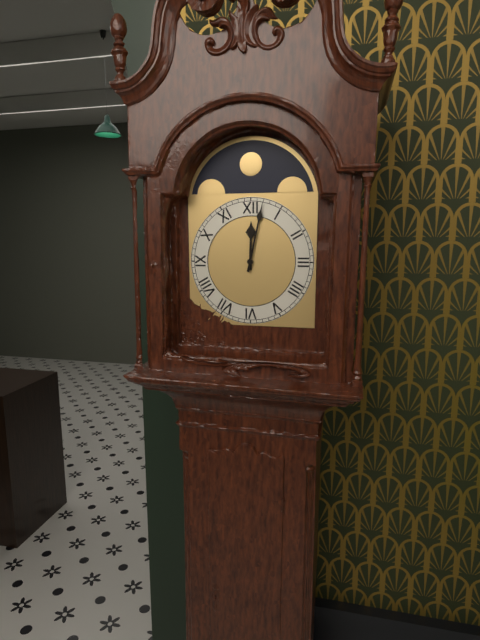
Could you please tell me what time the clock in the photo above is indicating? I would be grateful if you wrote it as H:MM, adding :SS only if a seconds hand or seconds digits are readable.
12:02
